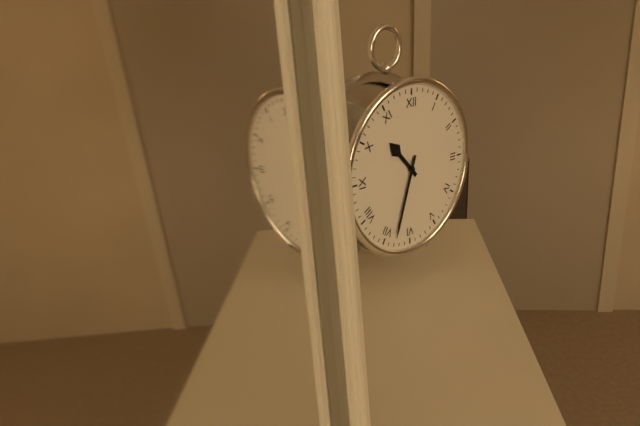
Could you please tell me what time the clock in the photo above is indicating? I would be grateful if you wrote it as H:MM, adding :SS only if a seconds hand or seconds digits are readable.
10:33
